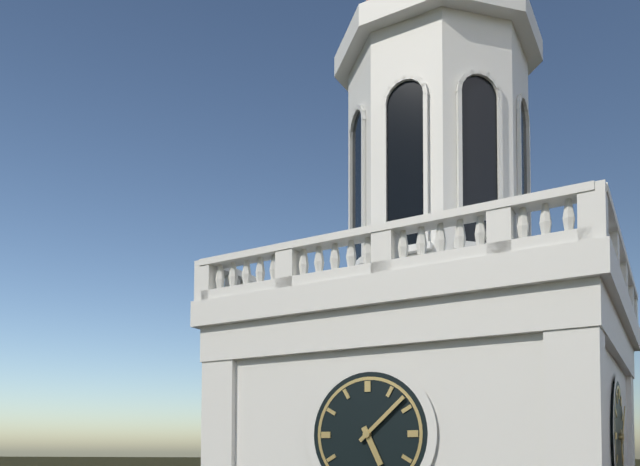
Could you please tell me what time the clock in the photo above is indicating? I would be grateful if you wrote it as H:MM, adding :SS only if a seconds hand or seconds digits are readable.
5:08
